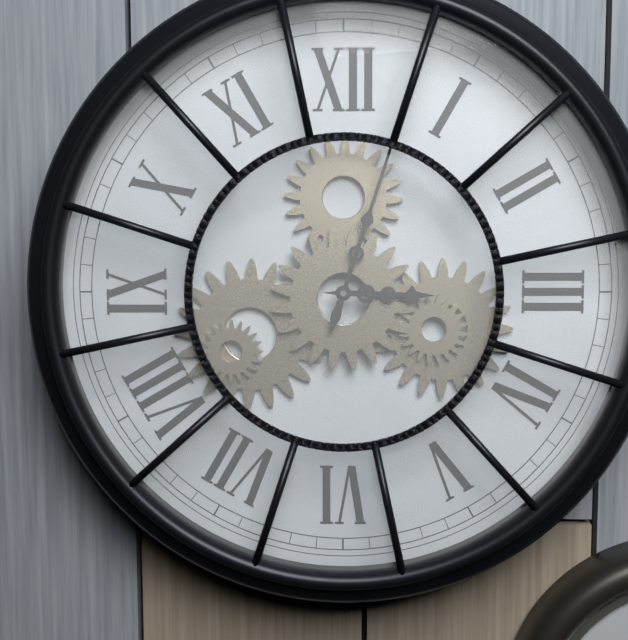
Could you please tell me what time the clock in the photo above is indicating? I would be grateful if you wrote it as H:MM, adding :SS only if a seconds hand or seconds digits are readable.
3:03
